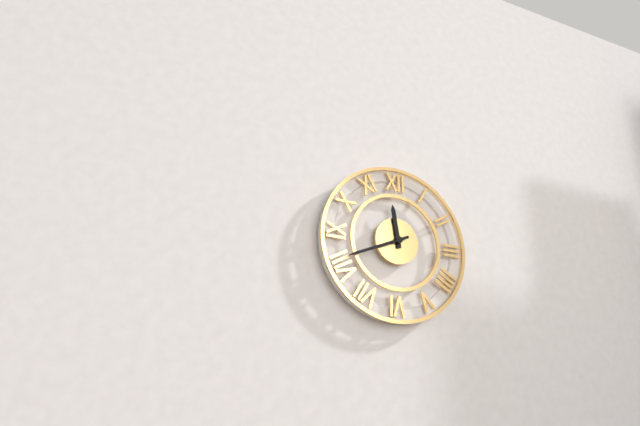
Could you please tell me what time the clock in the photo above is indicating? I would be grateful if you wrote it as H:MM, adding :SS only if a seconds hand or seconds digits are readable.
11:41
